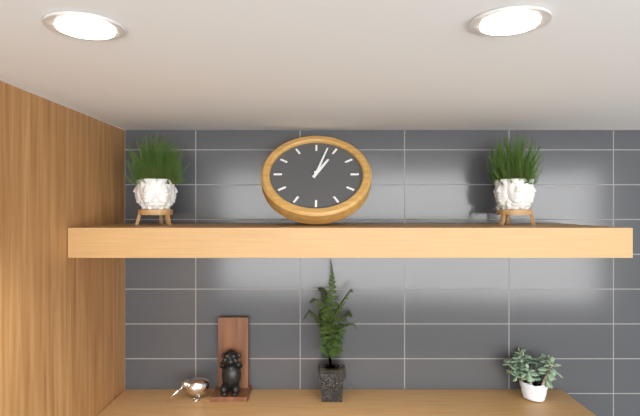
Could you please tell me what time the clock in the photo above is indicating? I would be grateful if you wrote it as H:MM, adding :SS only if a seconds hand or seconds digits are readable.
1:03
